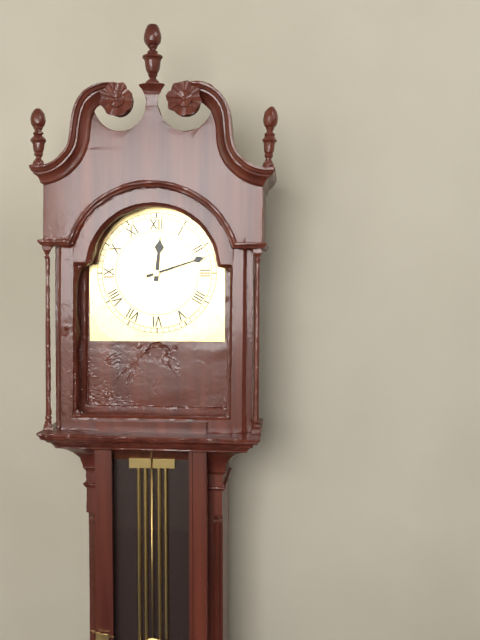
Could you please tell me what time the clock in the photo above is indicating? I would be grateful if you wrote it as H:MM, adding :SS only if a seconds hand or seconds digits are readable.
12:12
